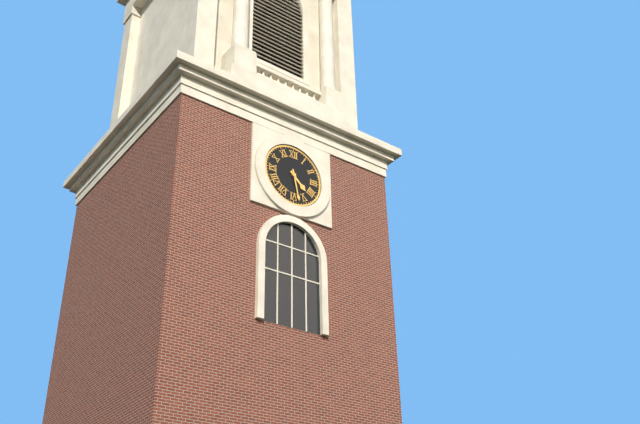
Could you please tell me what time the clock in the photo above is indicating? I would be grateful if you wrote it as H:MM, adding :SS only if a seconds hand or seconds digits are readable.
4:28
